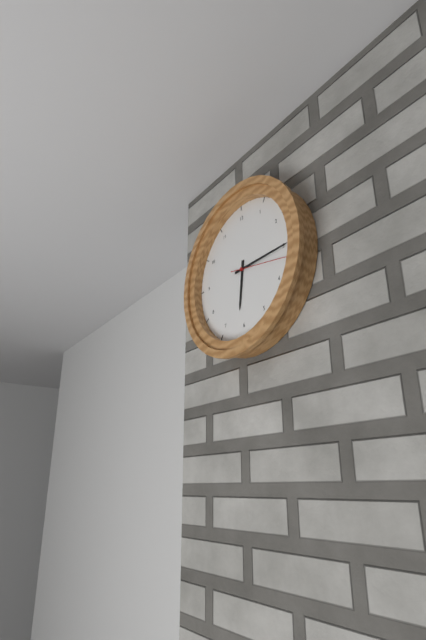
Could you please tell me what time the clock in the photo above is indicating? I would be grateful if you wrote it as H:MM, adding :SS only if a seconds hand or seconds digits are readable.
6:15:17
